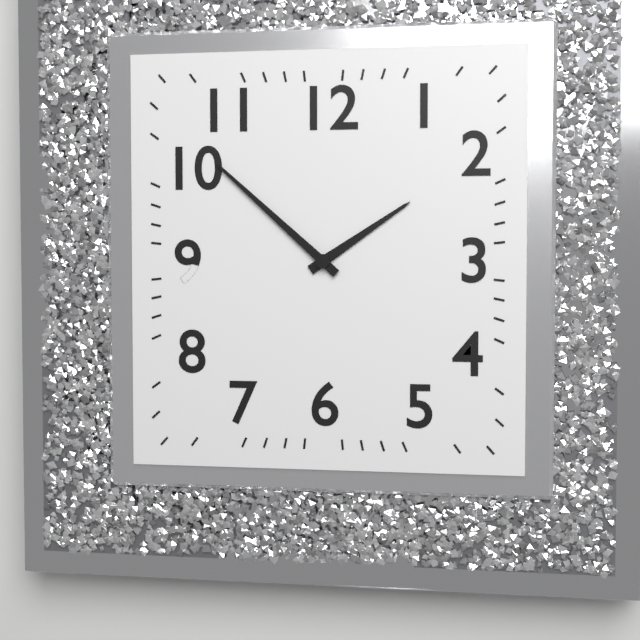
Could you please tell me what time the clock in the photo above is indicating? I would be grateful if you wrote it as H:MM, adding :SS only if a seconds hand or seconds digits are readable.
1:52
